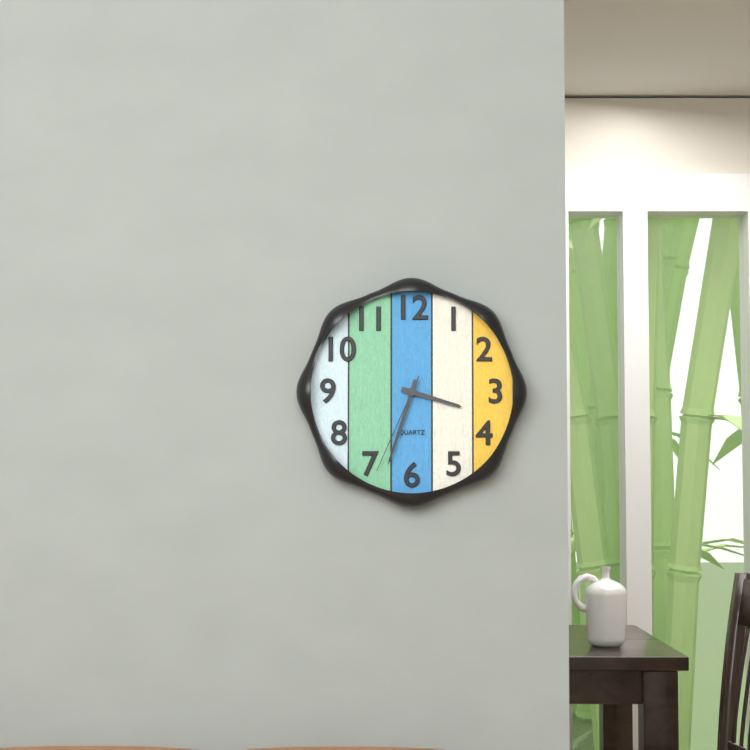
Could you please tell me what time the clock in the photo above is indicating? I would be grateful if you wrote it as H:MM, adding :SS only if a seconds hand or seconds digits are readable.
3:33:34
